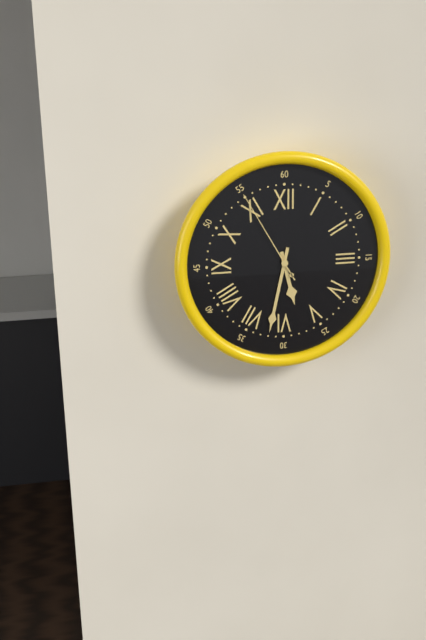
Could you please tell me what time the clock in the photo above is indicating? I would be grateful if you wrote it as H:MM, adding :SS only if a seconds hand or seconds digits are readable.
5:32:55
